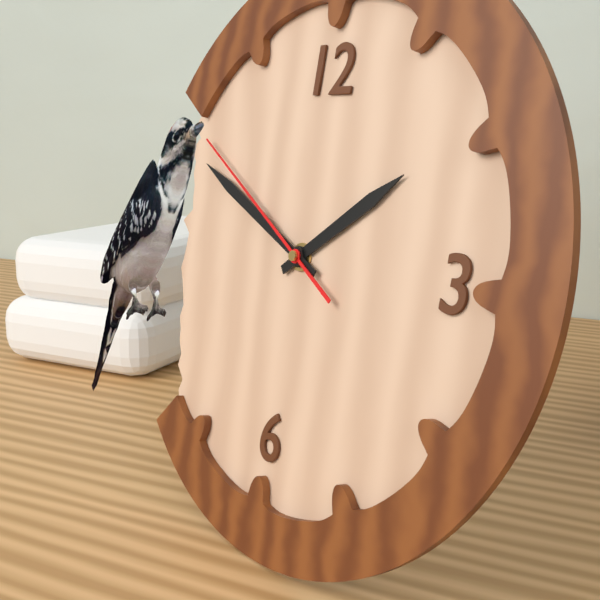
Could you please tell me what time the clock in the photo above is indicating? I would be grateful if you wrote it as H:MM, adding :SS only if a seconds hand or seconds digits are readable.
1:49:50
